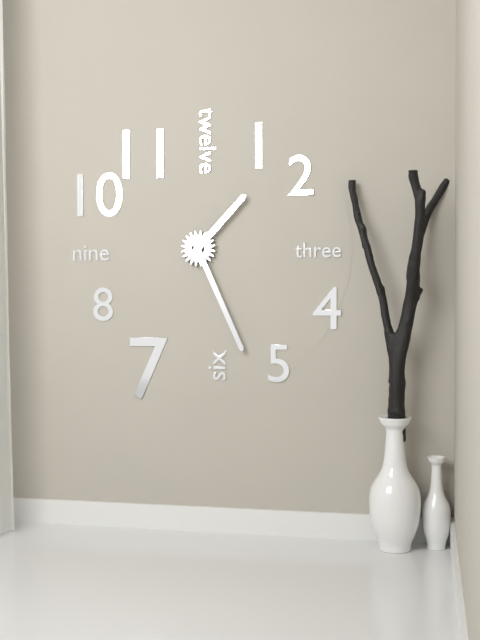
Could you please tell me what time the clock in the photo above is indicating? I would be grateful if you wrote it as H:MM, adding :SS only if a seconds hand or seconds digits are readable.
1:26
